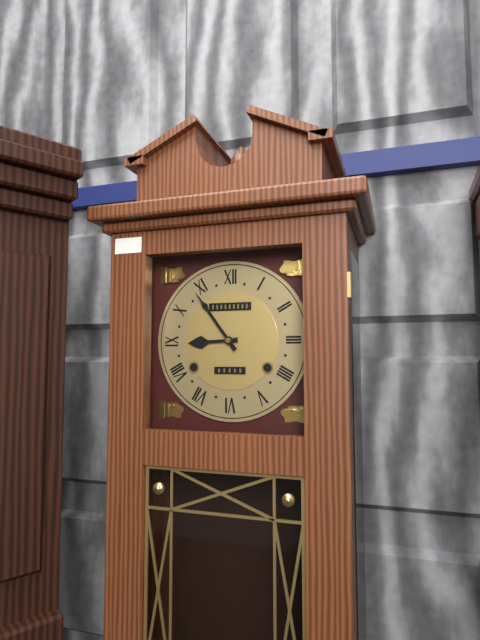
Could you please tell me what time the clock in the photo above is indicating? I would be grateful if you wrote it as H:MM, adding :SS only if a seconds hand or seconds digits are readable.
8:54
